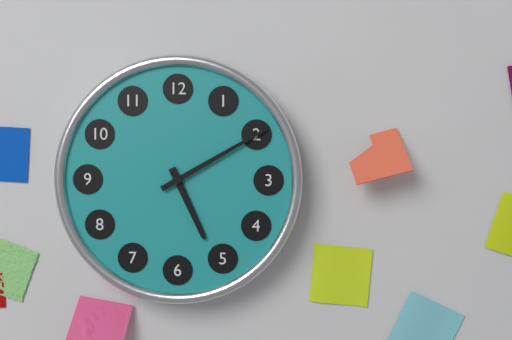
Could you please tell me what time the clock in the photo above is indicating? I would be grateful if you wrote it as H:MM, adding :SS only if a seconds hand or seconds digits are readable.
5:10
